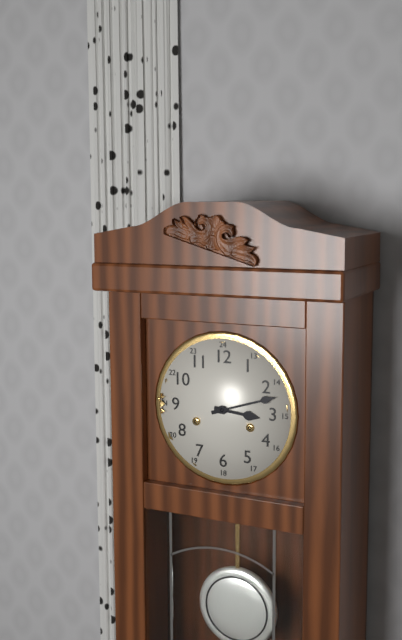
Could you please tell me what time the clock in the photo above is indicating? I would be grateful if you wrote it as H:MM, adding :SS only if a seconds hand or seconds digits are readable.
3:12
